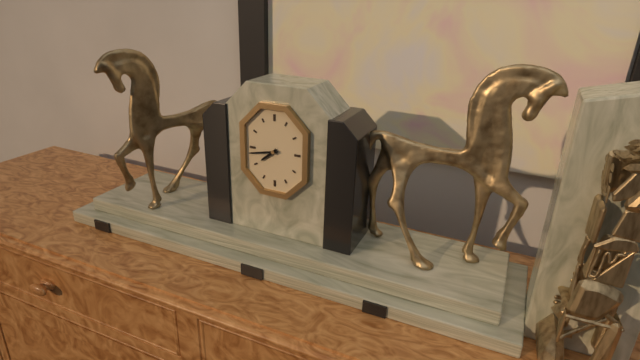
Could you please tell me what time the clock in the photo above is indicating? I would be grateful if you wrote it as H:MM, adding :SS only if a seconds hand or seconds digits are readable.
7:43
